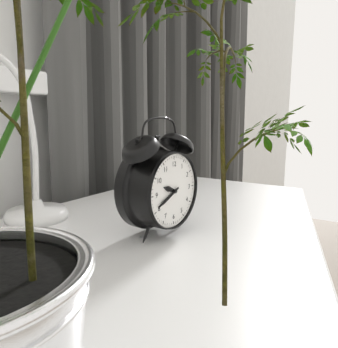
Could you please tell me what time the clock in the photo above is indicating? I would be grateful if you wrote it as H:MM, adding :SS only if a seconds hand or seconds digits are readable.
9:41
